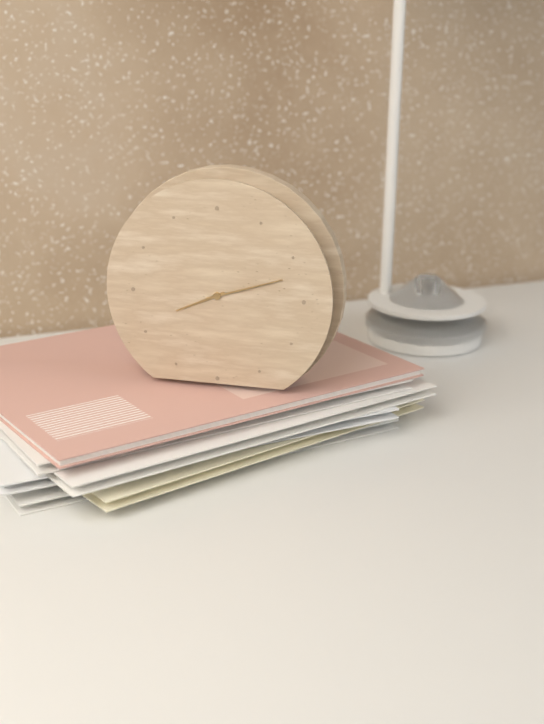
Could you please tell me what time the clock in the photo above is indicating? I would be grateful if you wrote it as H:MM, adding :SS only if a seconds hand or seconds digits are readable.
8:12
